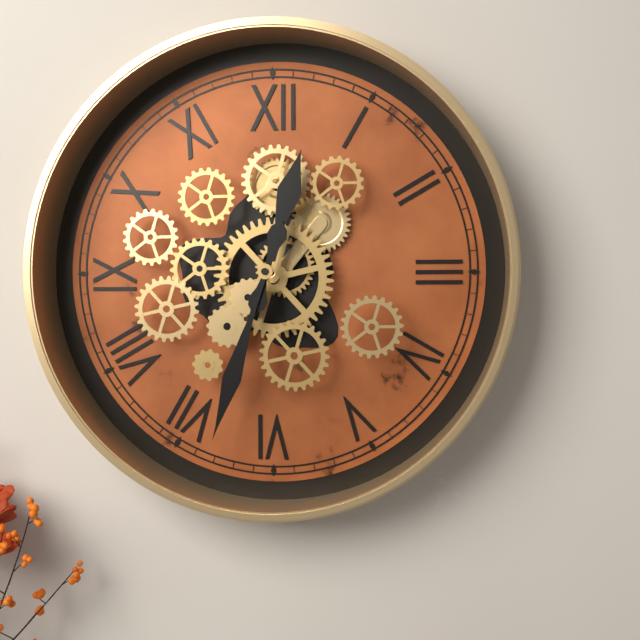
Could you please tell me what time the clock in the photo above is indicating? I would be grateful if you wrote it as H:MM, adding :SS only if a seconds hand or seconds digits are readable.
12:33
